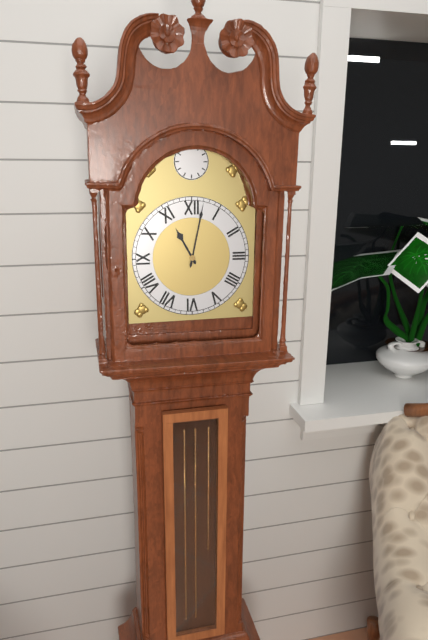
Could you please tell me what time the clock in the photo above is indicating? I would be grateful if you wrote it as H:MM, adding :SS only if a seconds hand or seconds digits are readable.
11:02
